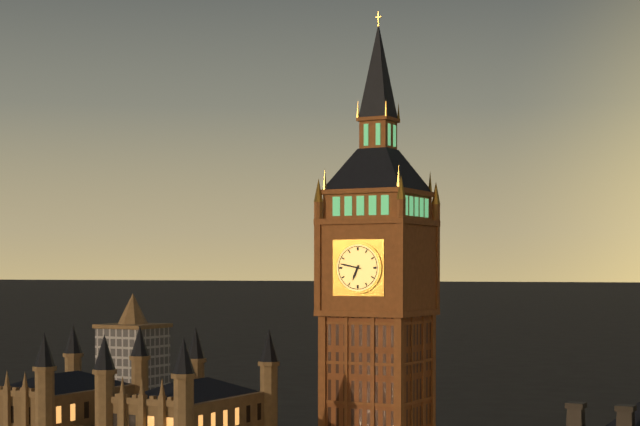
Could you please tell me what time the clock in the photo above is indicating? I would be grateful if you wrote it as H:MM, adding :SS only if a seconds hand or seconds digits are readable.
6:47
